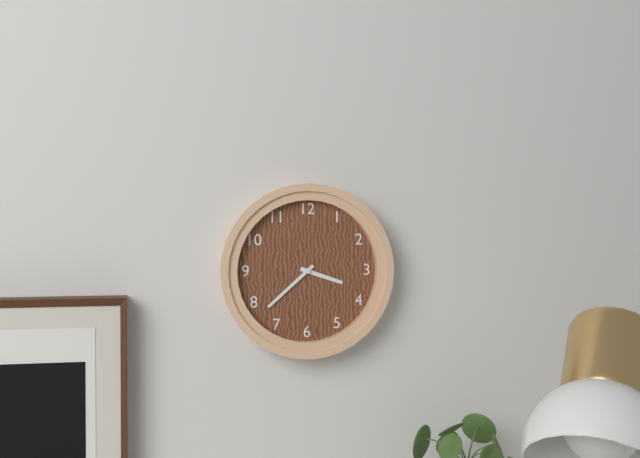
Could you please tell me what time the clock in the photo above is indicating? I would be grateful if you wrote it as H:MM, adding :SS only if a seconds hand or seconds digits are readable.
3:38
